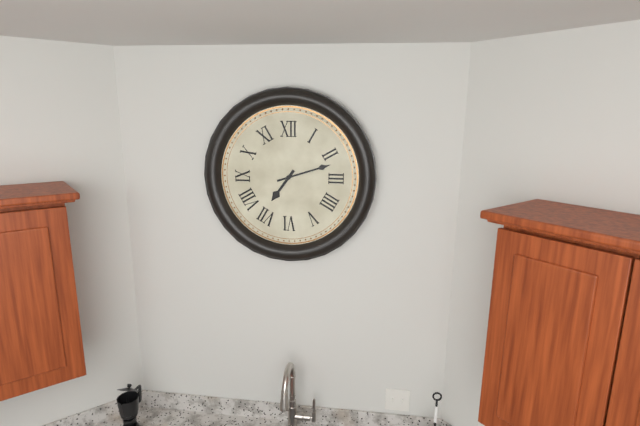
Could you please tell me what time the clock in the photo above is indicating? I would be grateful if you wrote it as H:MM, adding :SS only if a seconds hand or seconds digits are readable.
7:12
